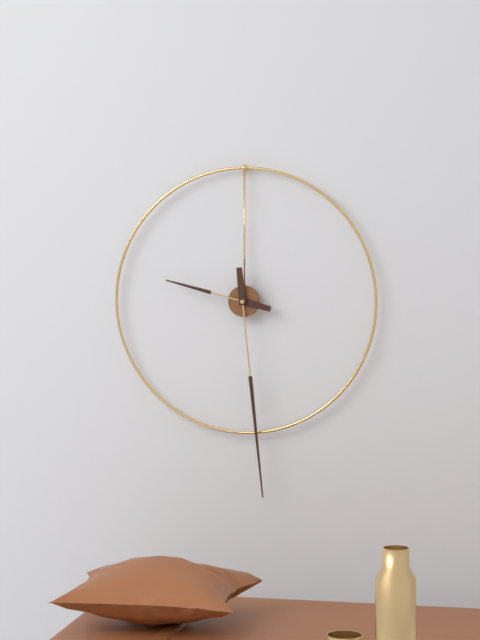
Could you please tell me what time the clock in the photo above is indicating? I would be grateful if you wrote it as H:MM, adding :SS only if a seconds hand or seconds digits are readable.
9:29
